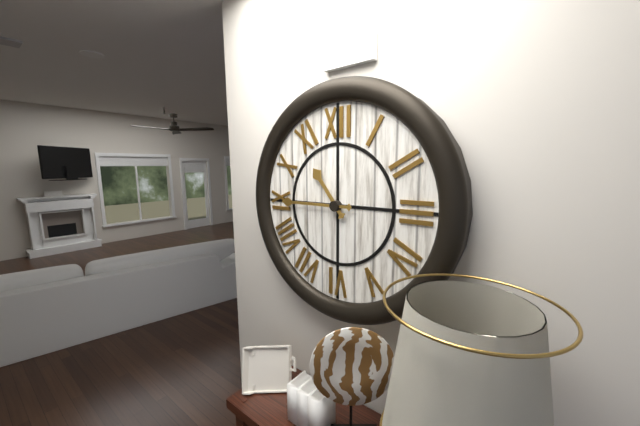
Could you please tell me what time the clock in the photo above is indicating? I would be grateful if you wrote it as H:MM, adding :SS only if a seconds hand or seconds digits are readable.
10:45
